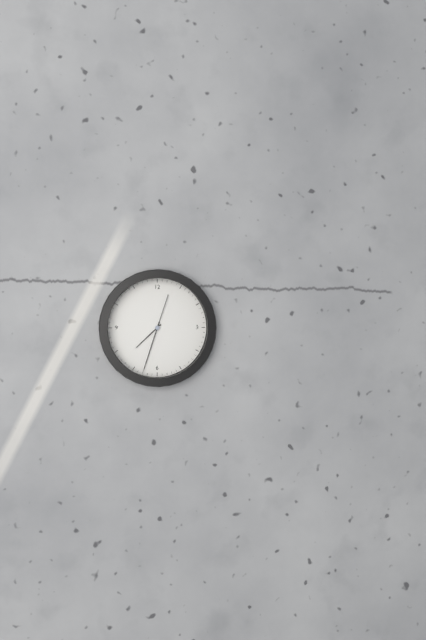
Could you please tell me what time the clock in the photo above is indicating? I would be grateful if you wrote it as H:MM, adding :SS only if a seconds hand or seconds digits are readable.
7:33:33
